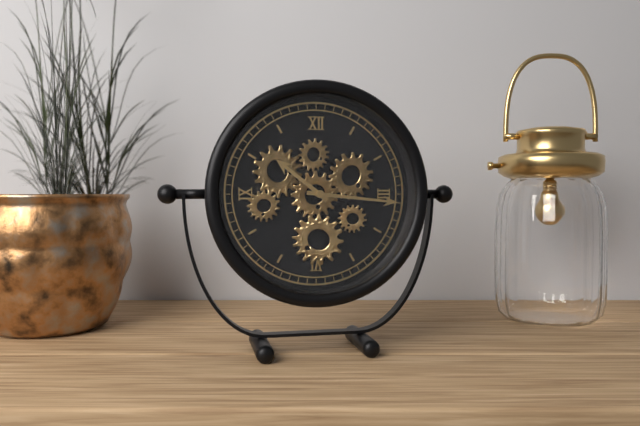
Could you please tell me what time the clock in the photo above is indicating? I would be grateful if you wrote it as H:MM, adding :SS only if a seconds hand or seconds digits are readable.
10:16
